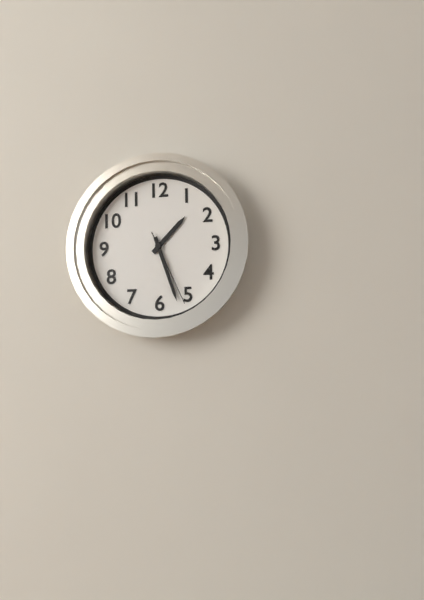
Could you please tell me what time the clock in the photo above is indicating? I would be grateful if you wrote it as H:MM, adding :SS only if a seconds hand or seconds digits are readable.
1:27:26
